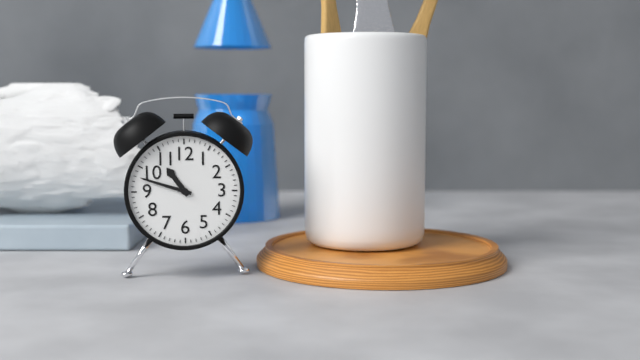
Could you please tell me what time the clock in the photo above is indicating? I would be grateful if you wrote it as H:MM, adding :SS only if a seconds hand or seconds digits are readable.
10:48
